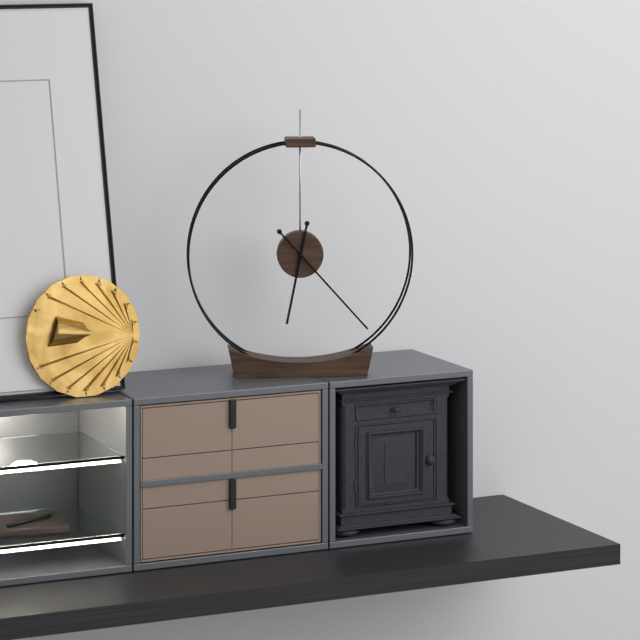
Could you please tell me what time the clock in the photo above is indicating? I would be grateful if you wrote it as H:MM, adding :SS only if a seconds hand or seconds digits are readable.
6:23
